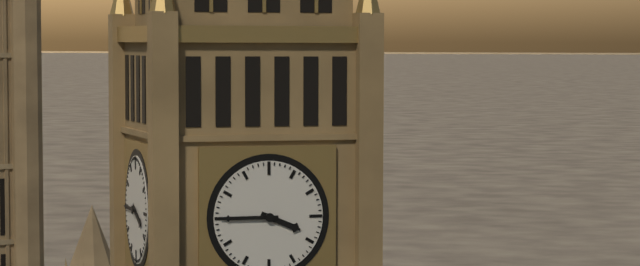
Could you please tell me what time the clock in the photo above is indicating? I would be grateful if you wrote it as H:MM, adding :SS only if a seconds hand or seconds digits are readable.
3:45
